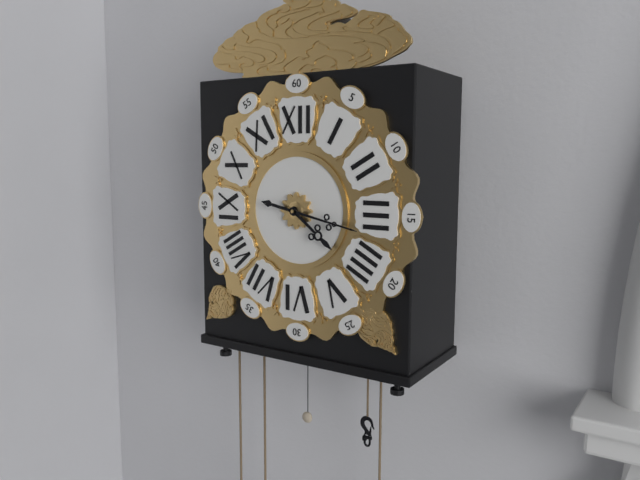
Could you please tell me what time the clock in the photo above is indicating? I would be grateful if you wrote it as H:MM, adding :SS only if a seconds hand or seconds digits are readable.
4:17
